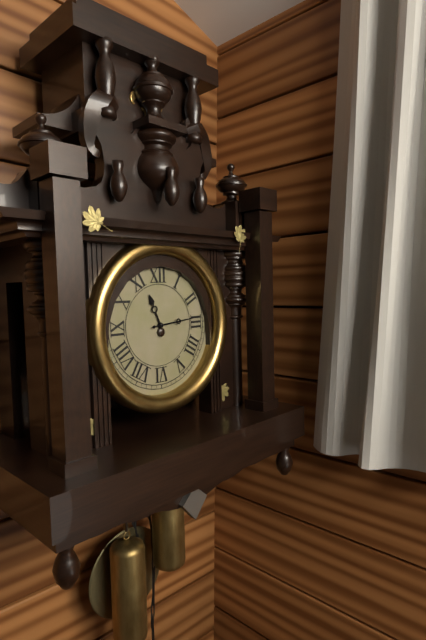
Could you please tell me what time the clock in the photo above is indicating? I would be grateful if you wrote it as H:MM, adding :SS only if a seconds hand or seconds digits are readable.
11:14
